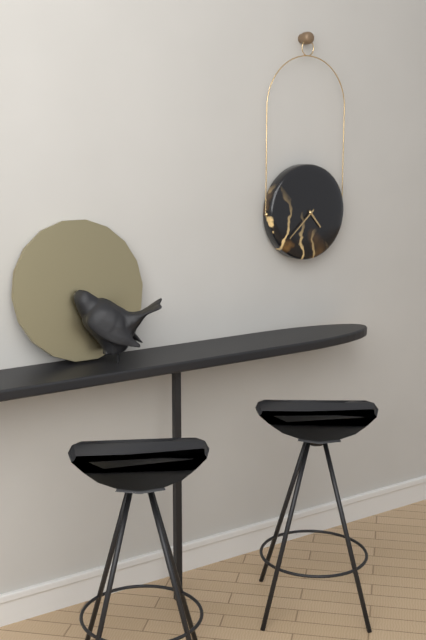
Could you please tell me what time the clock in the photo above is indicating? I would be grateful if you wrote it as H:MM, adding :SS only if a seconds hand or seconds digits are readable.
4:38
